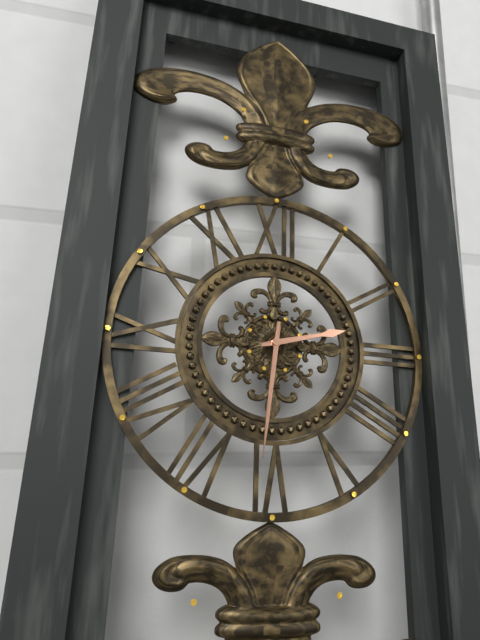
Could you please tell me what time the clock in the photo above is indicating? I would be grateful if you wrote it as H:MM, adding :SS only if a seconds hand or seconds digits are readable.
2:31
